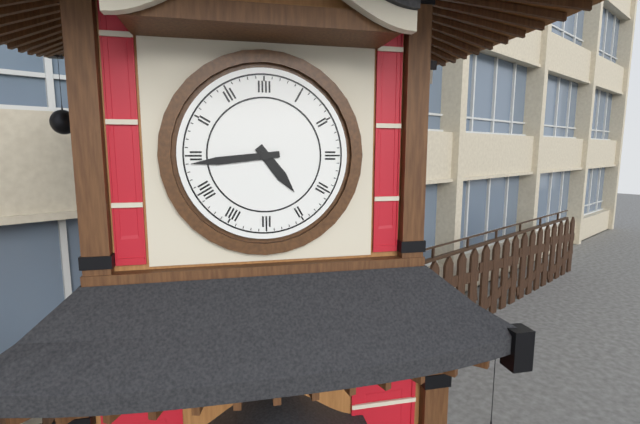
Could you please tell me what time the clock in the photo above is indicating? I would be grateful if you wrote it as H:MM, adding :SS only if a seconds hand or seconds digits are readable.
4:44
